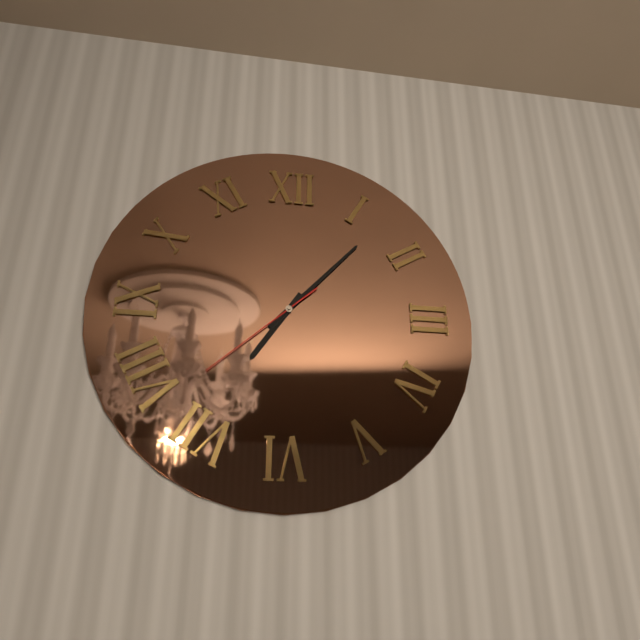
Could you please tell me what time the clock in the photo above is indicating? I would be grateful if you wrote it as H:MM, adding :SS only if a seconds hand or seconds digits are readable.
7:07:38
